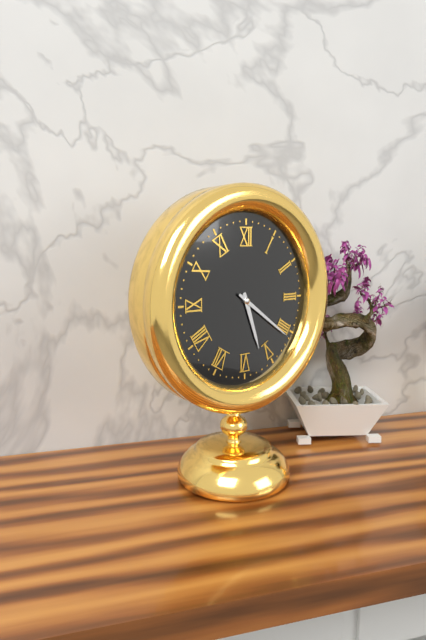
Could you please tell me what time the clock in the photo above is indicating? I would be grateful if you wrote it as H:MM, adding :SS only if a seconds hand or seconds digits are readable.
5:21
